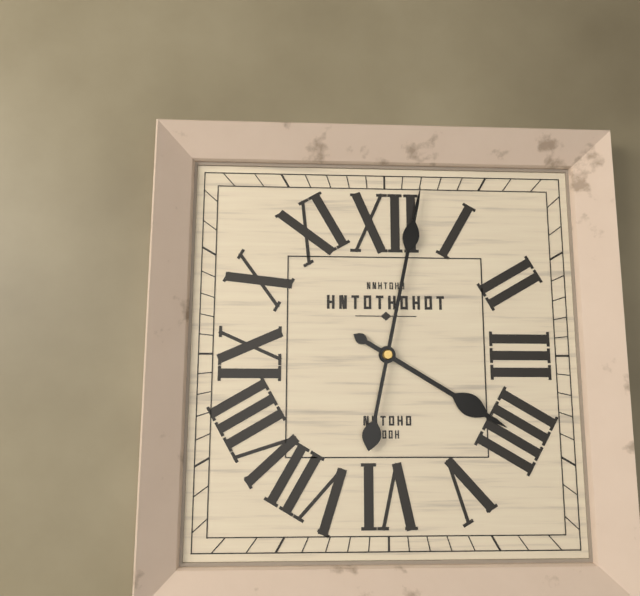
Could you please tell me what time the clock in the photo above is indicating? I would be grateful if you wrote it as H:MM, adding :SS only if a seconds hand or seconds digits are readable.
4:02
